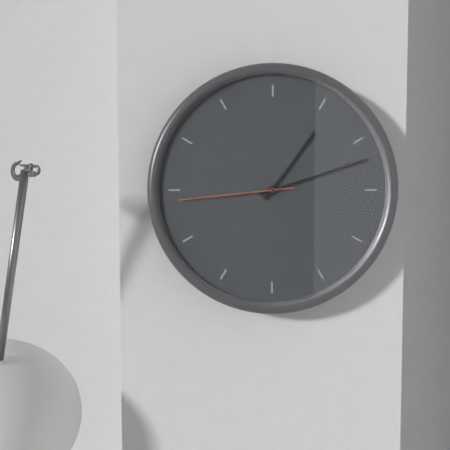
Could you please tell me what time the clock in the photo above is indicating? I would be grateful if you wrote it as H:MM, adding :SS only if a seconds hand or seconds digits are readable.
1:12:44
